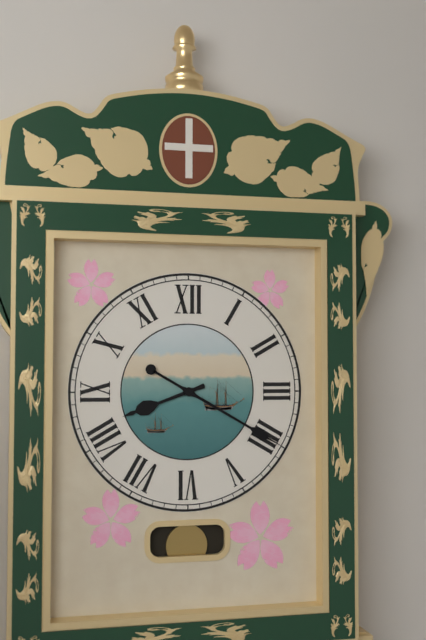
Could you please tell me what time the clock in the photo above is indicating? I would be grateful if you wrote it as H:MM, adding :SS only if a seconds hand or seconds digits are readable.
8:20
